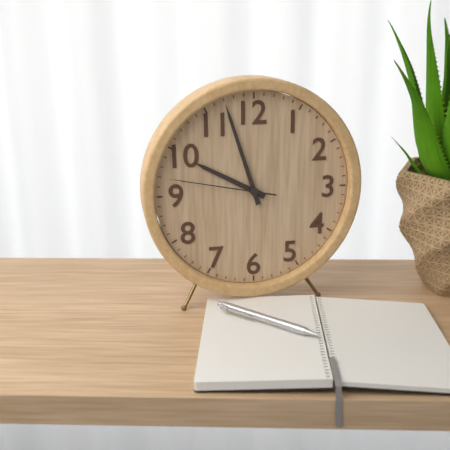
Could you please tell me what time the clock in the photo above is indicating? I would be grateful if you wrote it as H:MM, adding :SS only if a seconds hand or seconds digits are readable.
9:57:47
